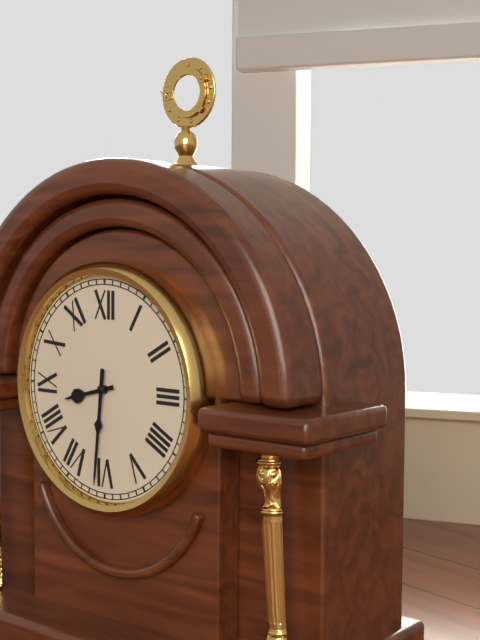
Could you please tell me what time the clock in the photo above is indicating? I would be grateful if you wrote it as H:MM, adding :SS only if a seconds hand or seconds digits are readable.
8:31
